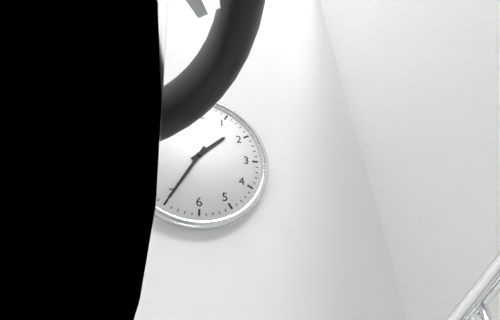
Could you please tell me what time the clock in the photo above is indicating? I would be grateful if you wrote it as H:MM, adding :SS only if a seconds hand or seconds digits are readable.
1:35
